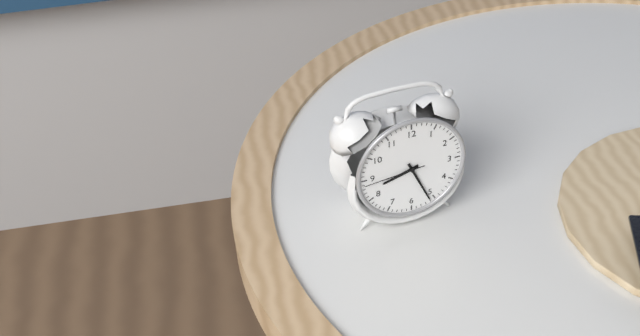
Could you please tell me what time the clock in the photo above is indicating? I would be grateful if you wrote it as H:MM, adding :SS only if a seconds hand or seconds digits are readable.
8:26:44
